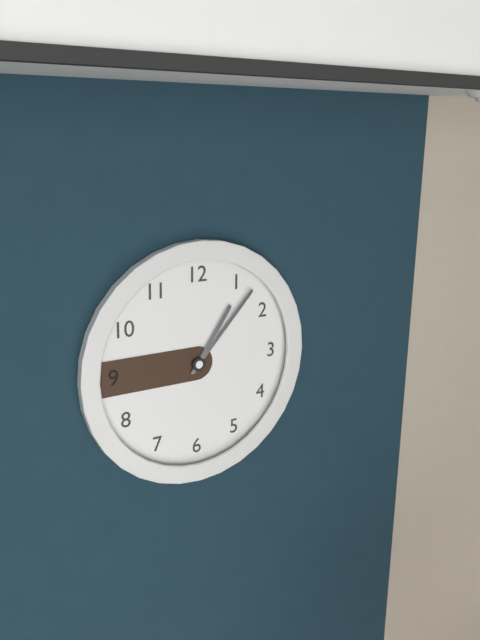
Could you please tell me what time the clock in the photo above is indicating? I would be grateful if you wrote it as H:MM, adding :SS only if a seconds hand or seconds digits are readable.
1:07
